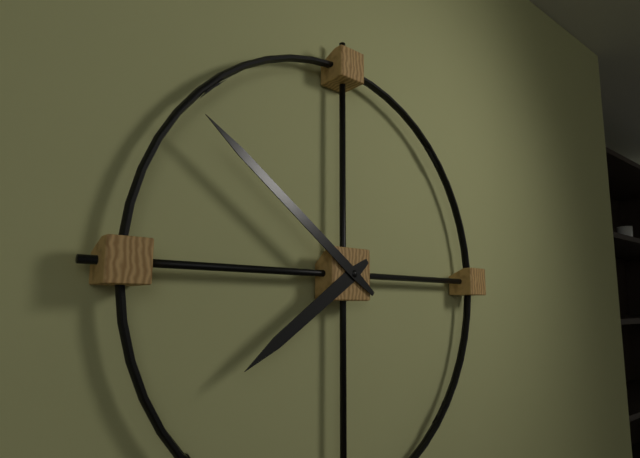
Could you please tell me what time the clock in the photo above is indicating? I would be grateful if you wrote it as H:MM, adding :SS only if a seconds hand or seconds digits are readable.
7:51
